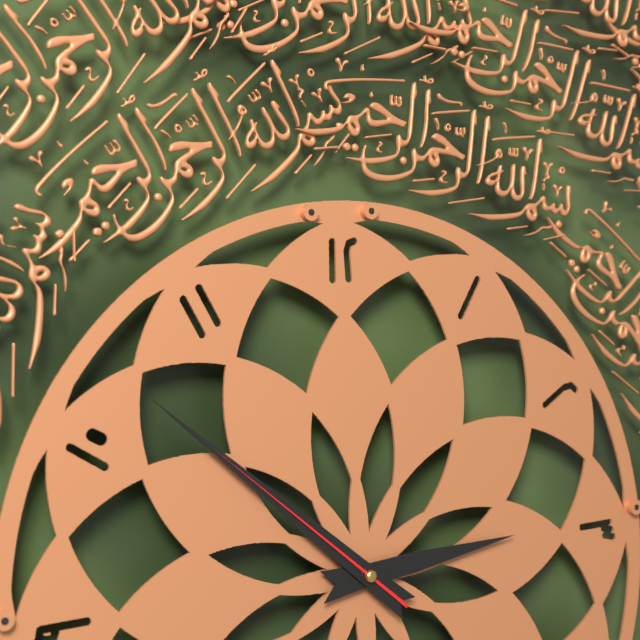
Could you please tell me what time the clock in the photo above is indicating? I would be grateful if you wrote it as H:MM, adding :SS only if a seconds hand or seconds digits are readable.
2:52:52
